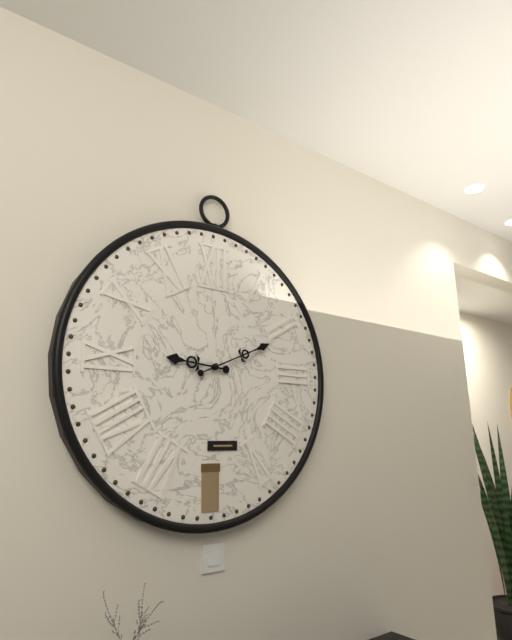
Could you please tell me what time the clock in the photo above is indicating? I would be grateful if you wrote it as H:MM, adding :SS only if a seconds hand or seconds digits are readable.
9:11
